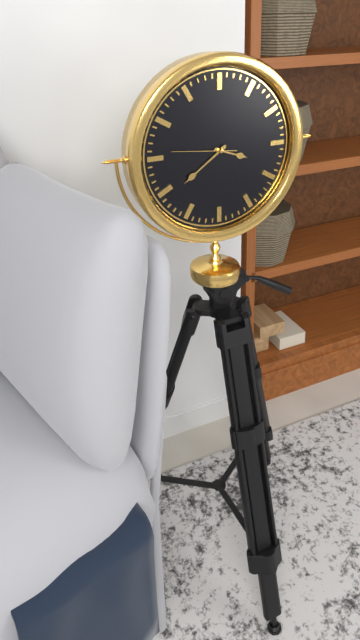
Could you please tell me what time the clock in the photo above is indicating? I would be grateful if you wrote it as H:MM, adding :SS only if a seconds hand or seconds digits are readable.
3:39:46
